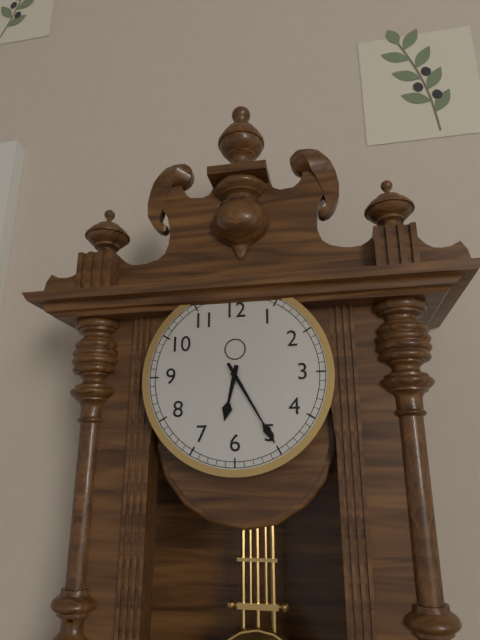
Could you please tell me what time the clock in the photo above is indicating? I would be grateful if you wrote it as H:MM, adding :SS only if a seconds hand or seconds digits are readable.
6:25
